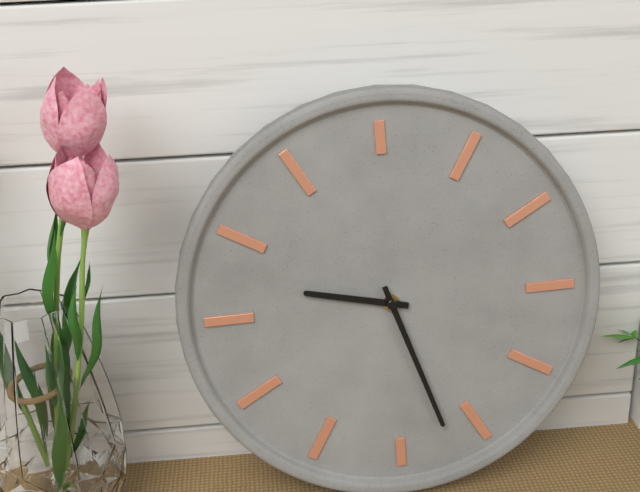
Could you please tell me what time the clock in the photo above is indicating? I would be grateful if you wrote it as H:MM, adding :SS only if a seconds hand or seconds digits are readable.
9:27
